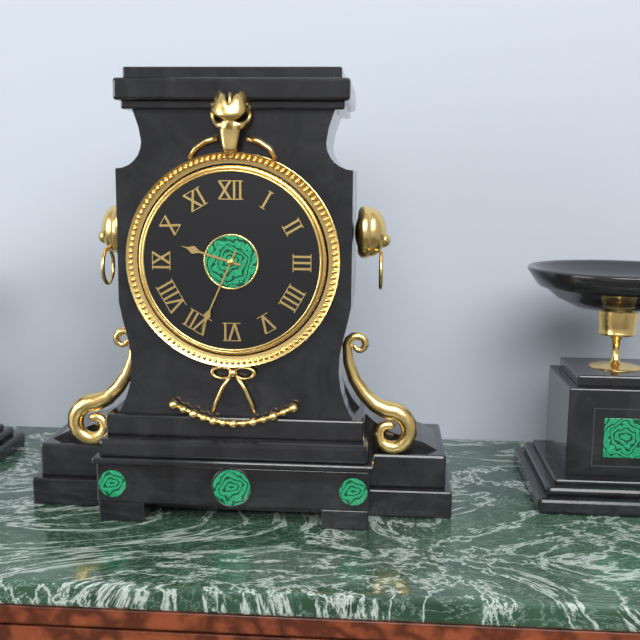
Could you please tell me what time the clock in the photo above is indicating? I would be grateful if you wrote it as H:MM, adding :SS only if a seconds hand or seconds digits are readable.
9:34
